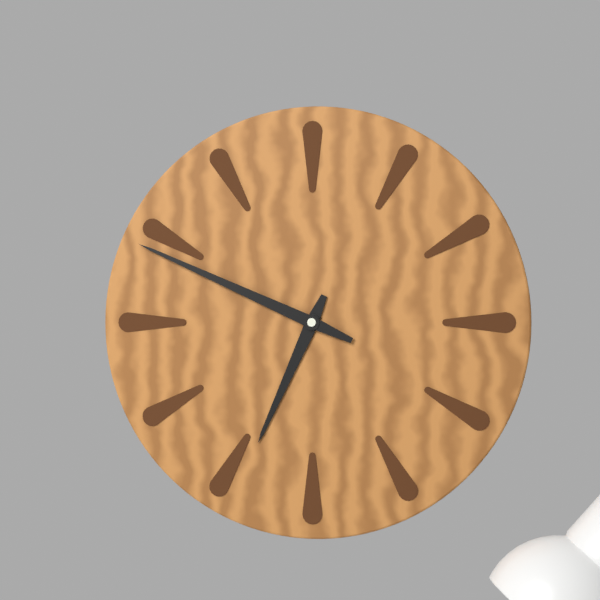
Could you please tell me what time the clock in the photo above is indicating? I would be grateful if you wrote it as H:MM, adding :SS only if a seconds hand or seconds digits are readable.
6:49
